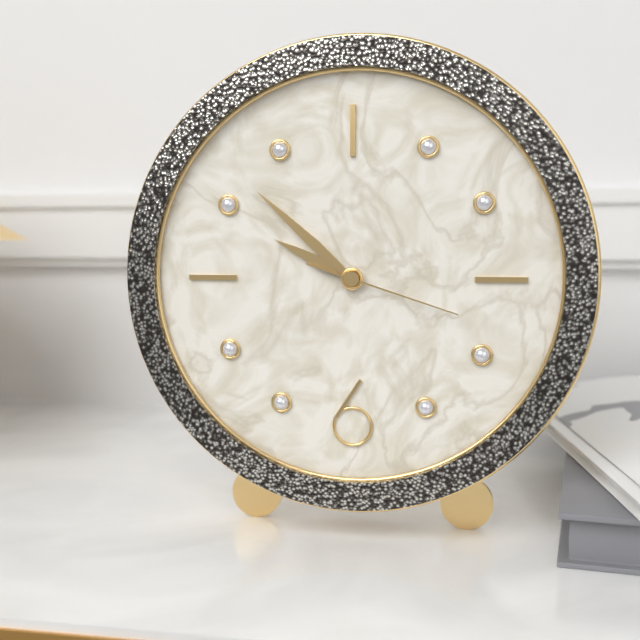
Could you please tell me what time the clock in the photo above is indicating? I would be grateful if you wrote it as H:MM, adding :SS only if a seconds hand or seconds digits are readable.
9:52:18
